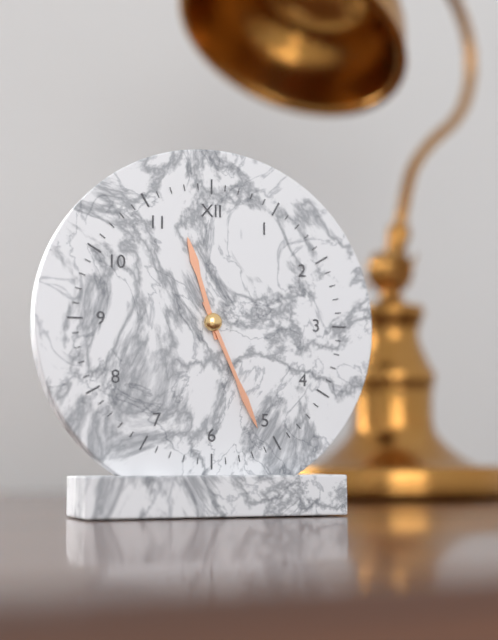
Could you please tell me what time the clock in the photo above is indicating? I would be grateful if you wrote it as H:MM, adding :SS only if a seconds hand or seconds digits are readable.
11:26
